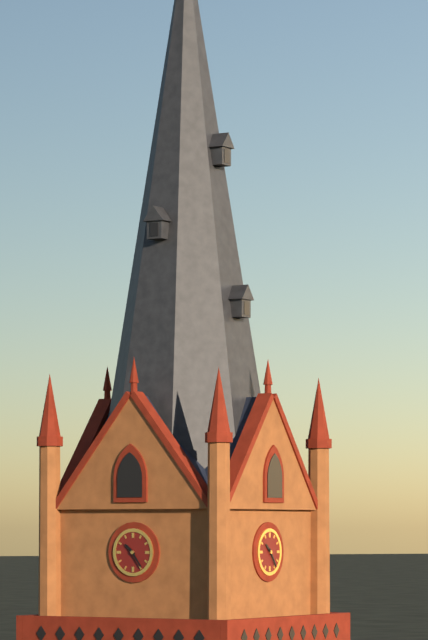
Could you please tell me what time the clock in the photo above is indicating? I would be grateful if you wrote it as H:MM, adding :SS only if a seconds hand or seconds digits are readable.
10:24
